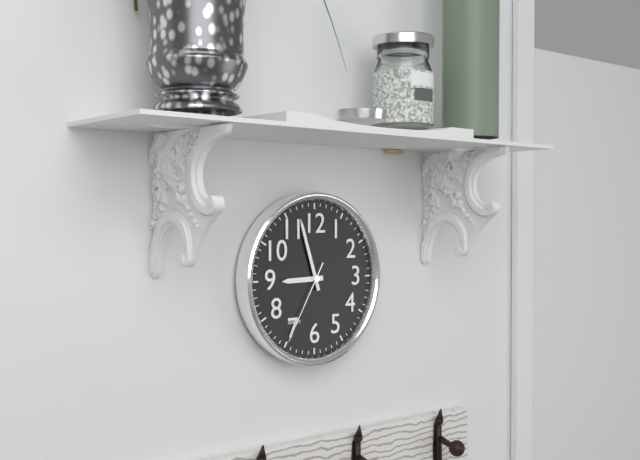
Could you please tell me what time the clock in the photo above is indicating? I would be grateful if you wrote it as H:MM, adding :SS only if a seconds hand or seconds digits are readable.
8:57:35
